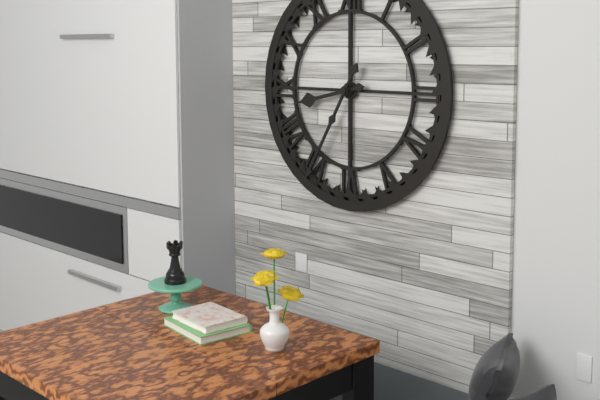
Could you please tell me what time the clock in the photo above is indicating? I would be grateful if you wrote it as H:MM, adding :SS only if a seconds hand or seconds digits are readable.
8:35
